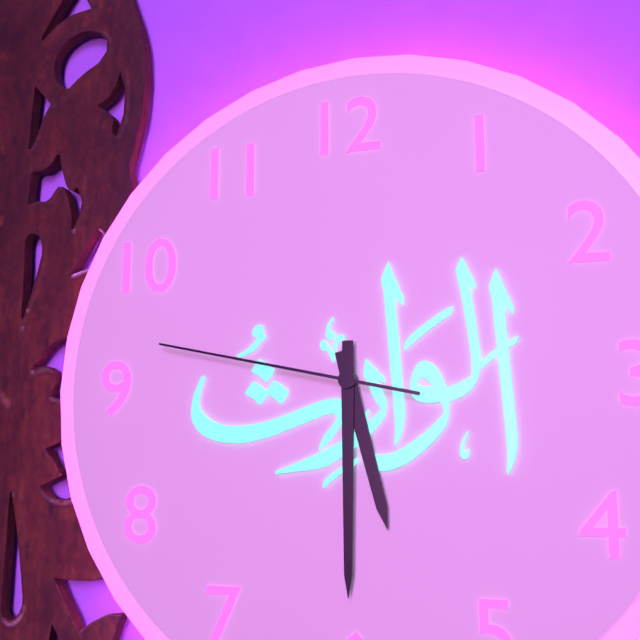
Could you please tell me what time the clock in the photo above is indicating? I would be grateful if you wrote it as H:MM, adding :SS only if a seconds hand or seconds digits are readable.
5:30:47
